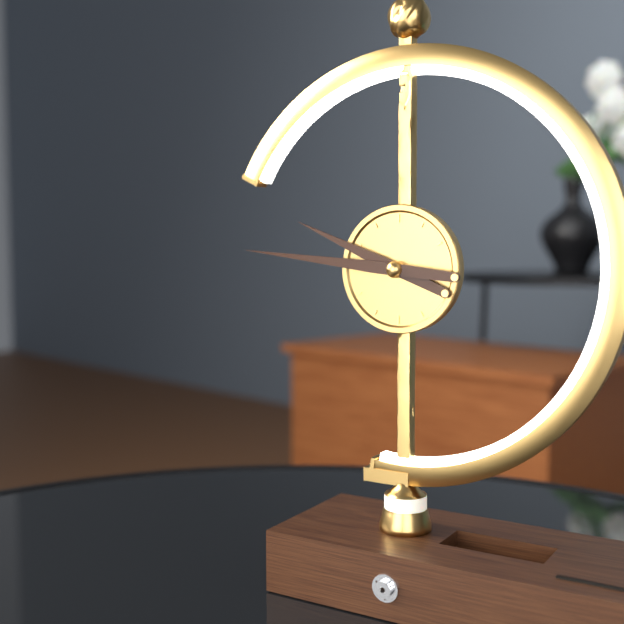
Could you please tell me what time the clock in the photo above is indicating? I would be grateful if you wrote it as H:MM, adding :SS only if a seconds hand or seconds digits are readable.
9:46
